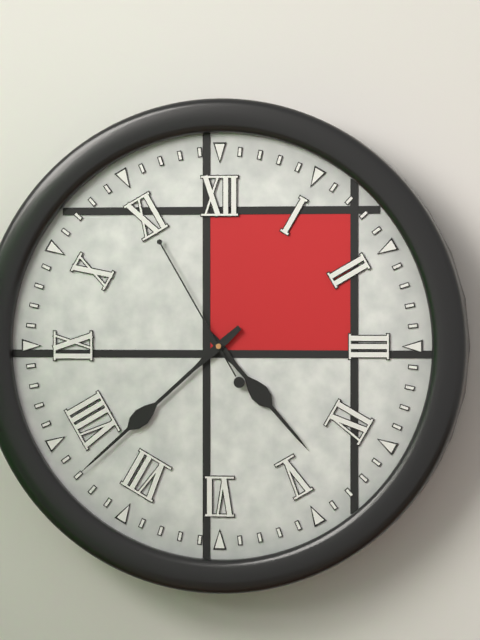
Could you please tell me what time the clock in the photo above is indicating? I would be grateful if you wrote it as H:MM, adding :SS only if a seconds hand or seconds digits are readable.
4:38:55
